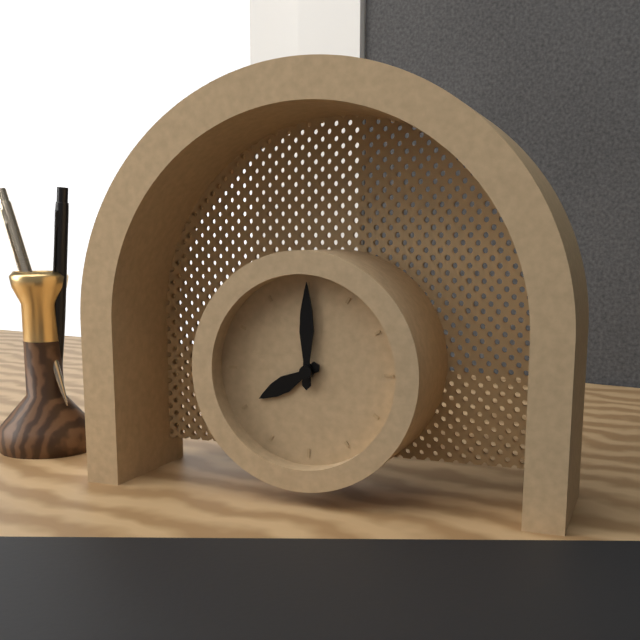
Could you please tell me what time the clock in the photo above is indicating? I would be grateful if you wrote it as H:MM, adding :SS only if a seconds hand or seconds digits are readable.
8:00
